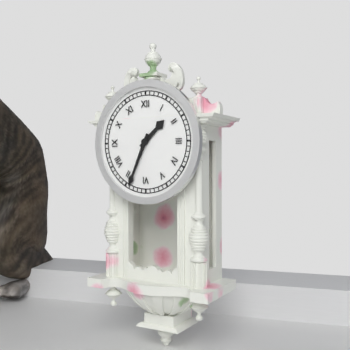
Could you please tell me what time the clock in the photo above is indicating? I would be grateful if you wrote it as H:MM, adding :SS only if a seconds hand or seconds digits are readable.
1:34
